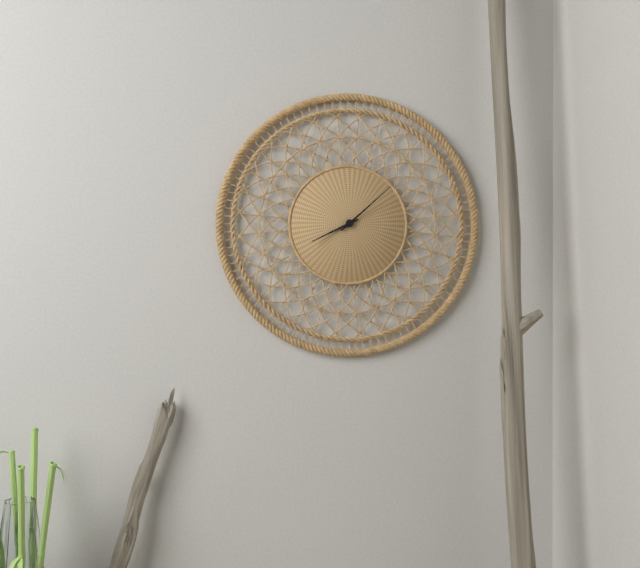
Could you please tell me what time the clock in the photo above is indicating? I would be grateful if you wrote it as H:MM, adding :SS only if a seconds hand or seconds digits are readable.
8:08
